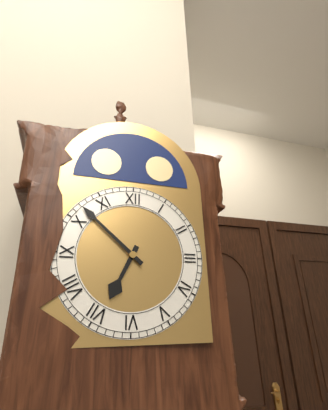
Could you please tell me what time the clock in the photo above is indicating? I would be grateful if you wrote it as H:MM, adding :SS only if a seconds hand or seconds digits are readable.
6:52
